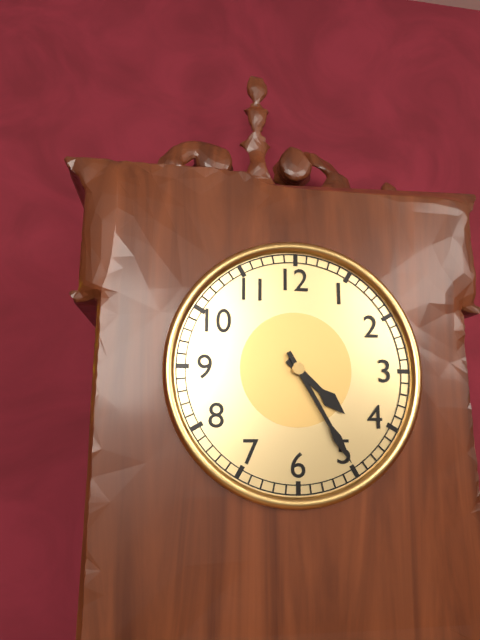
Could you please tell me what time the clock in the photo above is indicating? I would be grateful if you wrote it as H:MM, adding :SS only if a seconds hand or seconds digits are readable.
4:25
